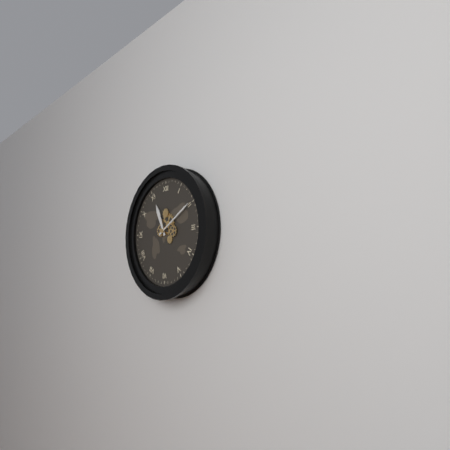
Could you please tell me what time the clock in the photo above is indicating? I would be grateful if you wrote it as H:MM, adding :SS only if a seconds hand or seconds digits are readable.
11:10
